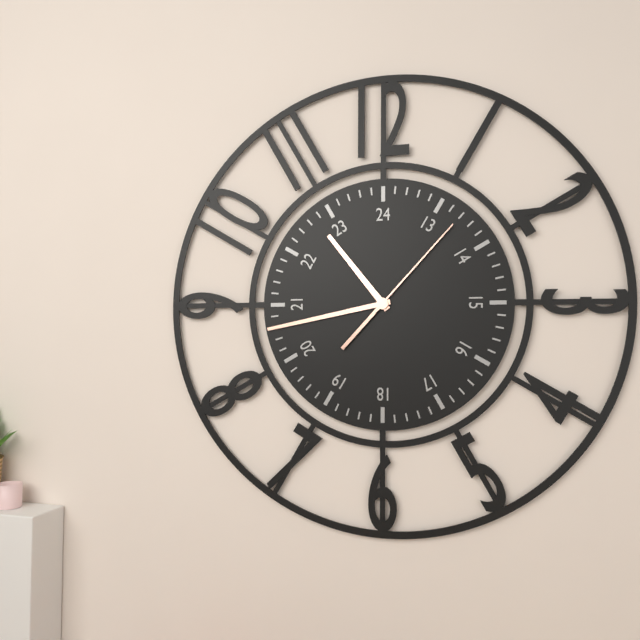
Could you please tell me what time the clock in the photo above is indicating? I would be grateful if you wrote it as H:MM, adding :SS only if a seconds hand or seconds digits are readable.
10:43:07
